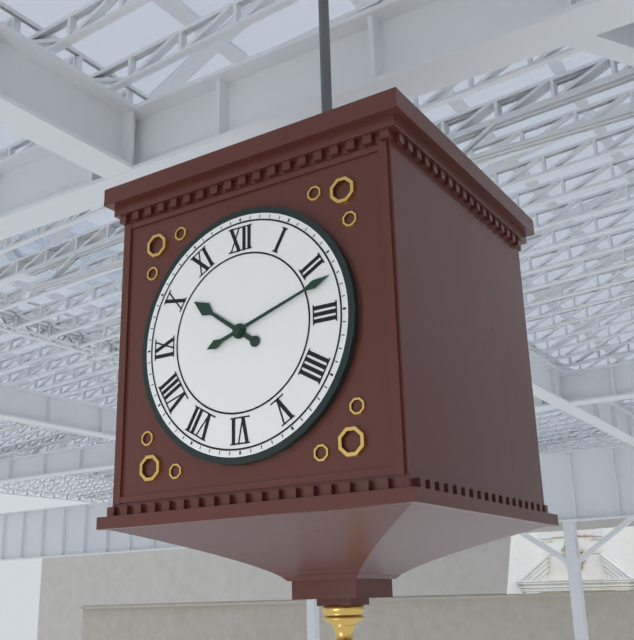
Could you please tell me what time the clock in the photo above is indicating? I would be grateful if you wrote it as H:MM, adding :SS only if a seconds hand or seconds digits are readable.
10:12
